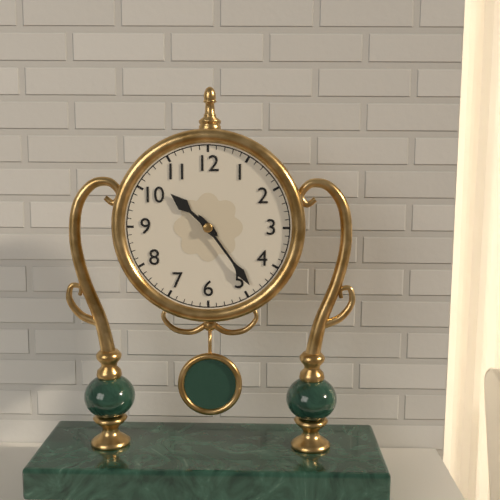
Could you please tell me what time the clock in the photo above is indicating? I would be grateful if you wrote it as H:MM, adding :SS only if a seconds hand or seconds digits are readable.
10:24
